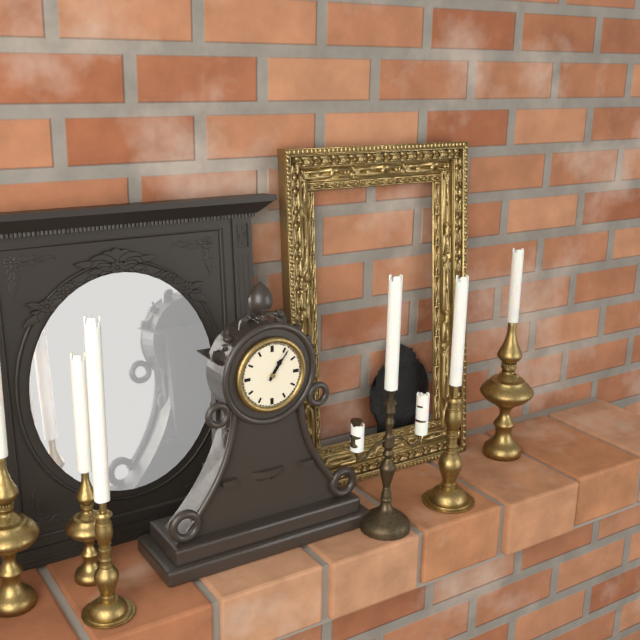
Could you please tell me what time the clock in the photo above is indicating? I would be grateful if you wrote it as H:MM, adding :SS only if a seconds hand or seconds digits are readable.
1:06
